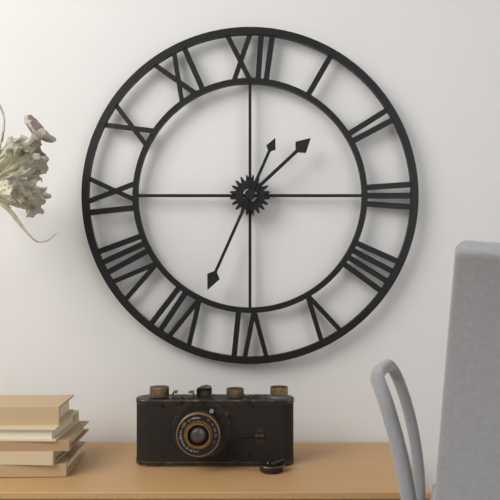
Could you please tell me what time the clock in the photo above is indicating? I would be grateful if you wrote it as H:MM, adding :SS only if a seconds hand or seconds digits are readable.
1:34
